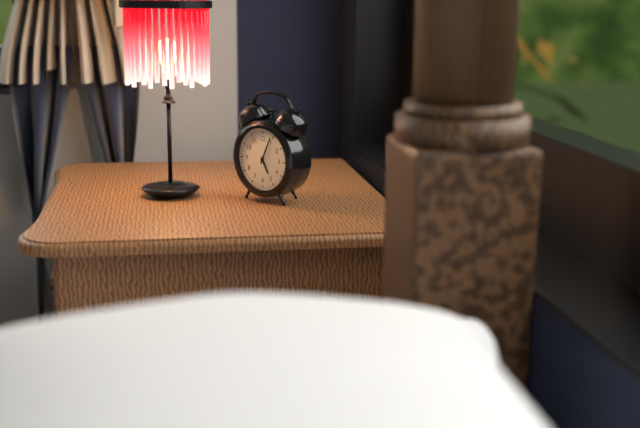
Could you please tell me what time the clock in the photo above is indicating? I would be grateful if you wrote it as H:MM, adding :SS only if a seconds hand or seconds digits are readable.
5:04
